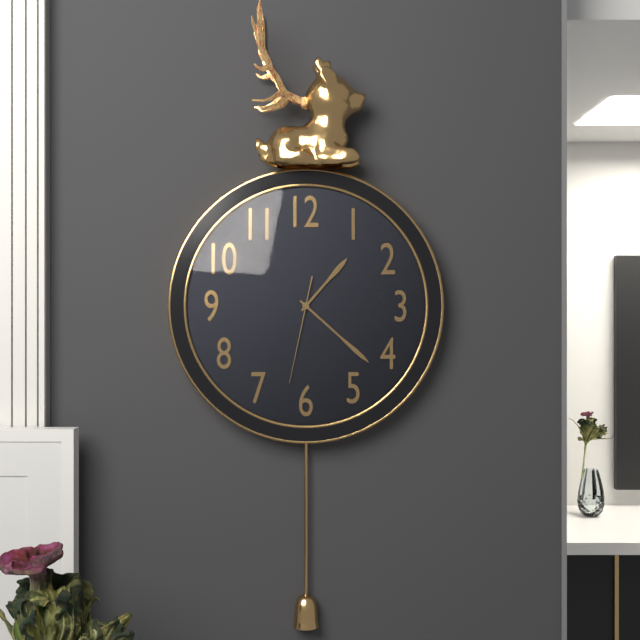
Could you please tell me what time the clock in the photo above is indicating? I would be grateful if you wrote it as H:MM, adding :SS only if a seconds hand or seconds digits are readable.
1:22:32
